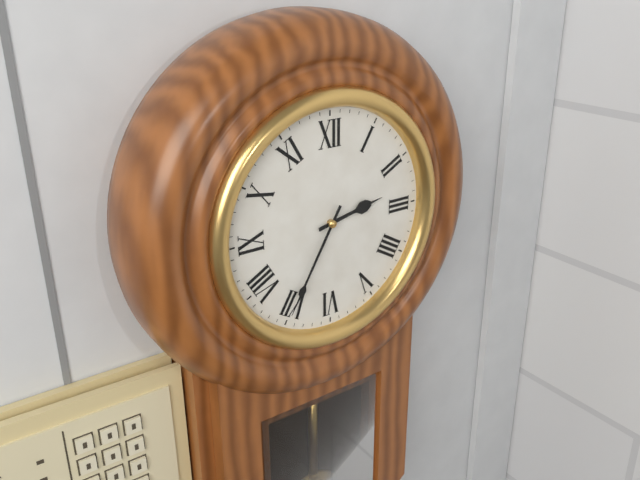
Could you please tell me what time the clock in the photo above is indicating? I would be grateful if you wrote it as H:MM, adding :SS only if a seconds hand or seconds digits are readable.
2:35
